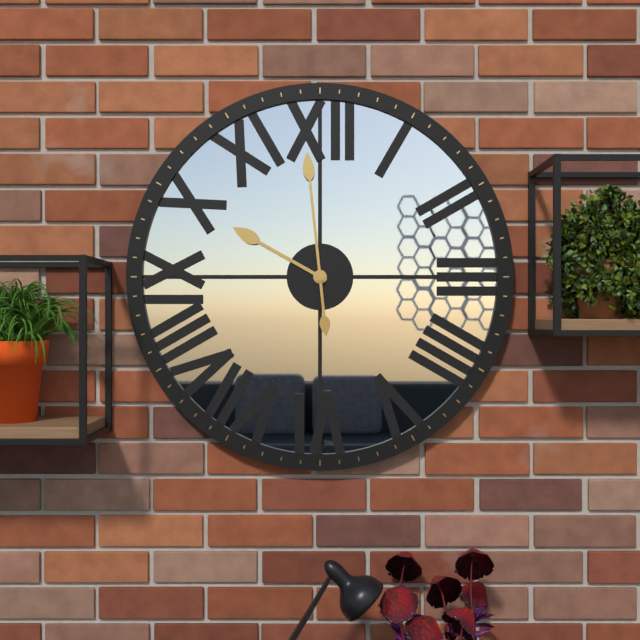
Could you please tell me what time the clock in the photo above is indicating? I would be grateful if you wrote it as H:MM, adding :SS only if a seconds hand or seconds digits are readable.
9:59
